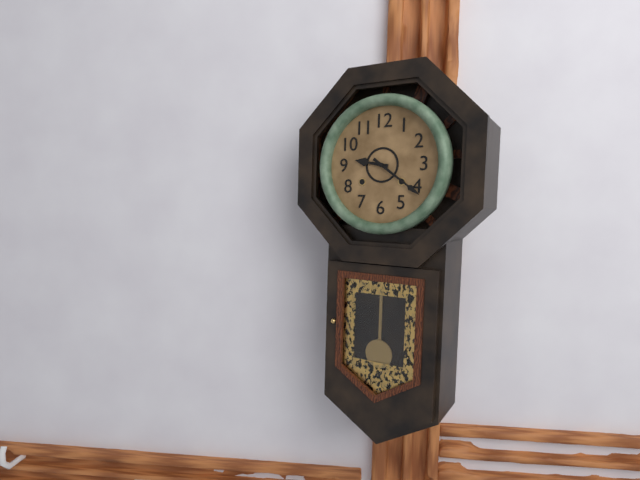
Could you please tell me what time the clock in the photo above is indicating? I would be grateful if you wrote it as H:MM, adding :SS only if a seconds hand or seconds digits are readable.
9:21
